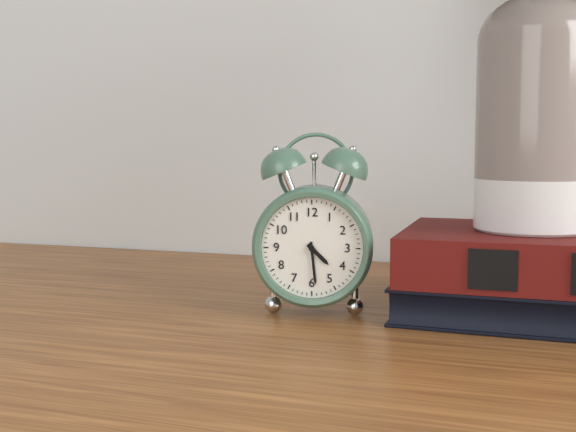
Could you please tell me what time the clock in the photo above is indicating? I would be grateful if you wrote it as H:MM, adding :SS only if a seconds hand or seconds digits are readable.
4:29
